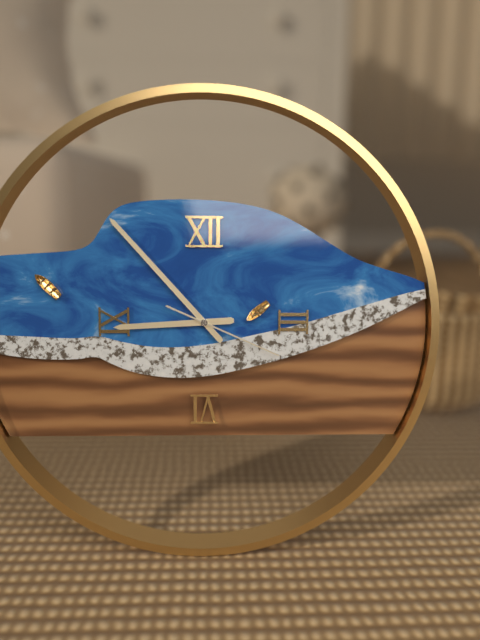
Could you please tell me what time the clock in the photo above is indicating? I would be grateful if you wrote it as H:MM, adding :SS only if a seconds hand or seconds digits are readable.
8:53:19
